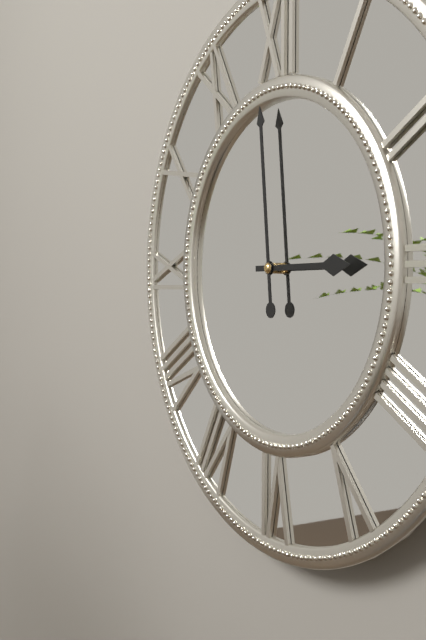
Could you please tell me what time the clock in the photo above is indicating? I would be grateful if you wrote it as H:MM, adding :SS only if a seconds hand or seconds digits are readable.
2:59
